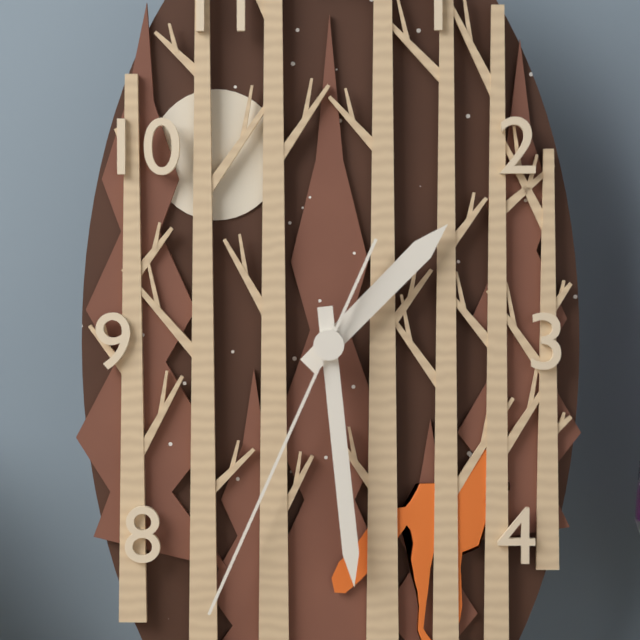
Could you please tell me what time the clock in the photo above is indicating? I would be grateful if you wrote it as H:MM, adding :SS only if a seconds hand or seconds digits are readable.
1:29:34
